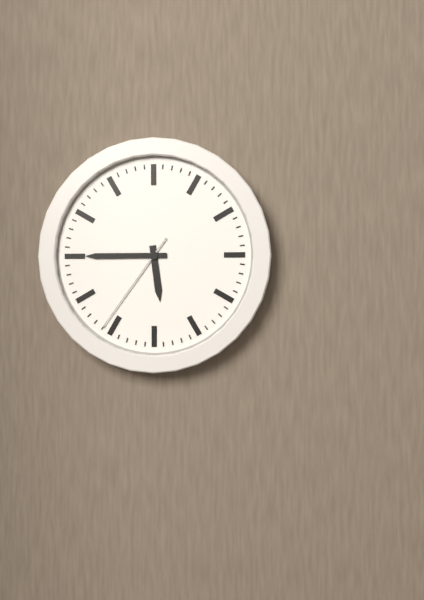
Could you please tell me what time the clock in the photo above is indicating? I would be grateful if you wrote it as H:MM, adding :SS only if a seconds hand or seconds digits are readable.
5:45:36
